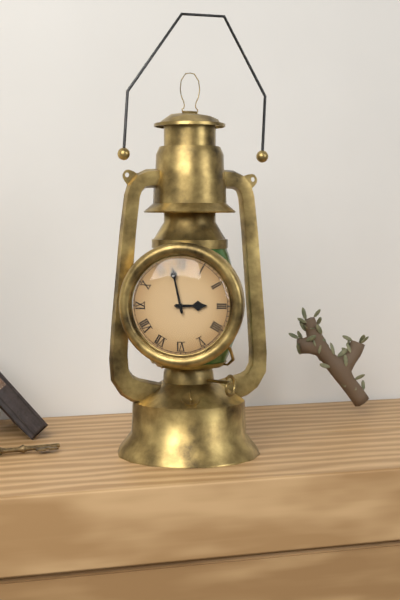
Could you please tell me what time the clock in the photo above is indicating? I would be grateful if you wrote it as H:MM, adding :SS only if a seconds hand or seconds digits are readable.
2:58
